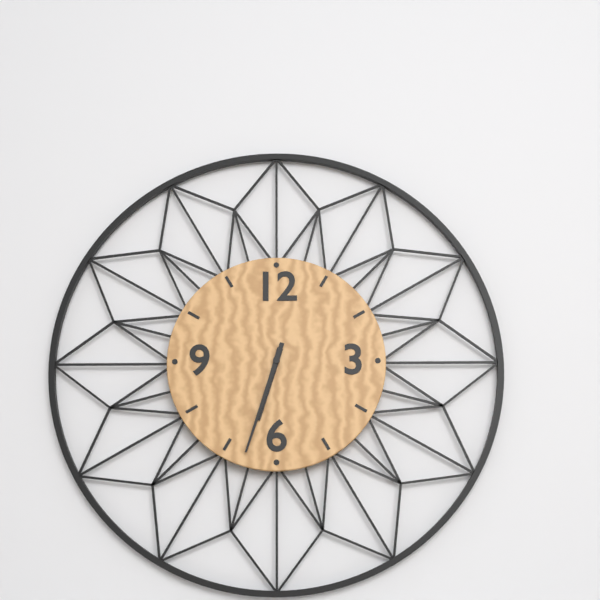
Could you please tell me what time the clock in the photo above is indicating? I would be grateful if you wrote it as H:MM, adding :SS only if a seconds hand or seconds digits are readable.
6:33
